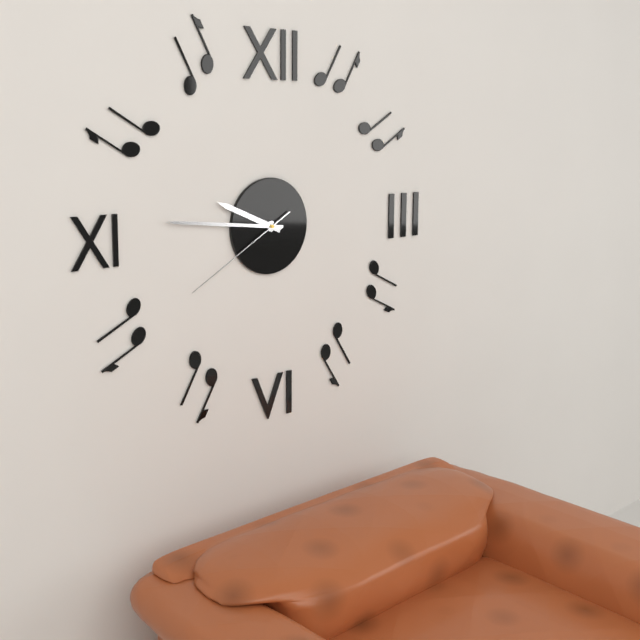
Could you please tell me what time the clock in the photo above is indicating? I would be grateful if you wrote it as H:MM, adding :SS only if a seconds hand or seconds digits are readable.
9:46:40
